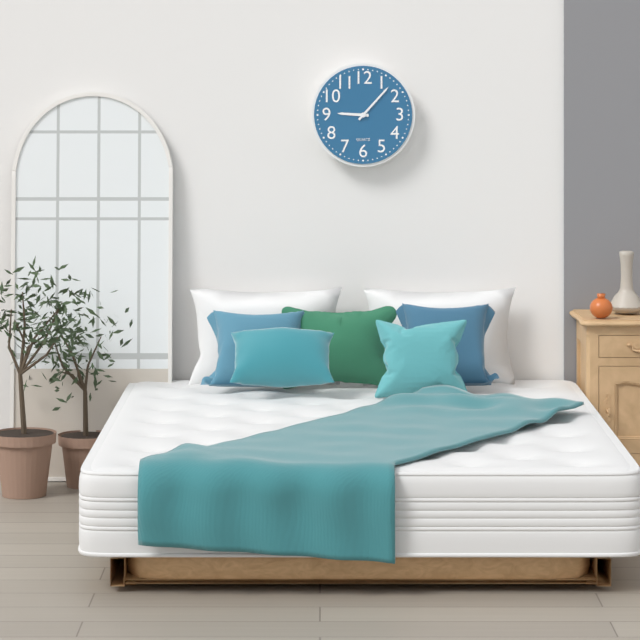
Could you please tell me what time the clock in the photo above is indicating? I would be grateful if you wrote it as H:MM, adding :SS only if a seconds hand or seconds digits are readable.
9:07
